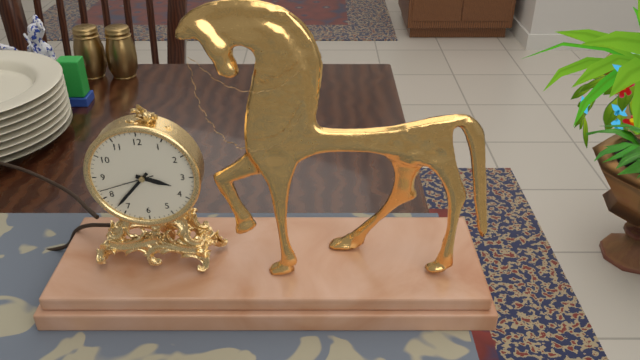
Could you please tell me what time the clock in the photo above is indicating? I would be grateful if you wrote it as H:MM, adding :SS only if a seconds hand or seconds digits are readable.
3:37:42
